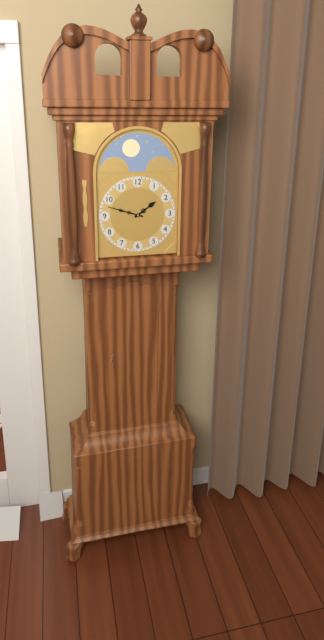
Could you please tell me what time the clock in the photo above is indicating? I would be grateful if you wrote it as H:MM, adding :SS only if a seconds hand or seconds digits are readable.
1:48
